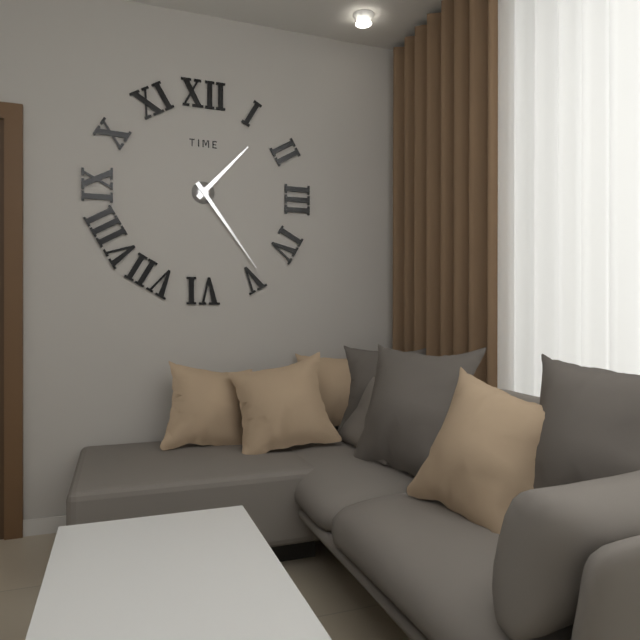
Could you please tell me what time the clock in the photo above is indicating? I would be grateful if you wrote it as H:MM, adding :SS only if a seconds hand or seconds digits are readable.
1:24
